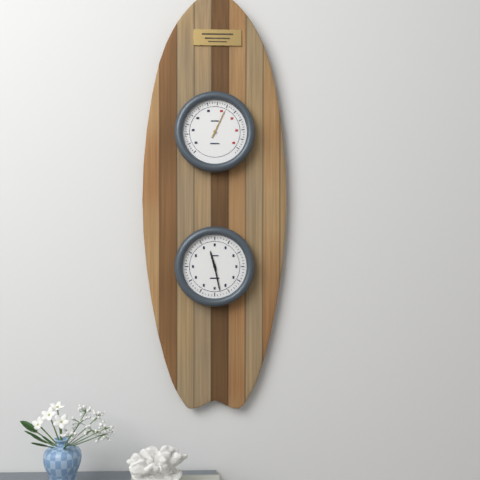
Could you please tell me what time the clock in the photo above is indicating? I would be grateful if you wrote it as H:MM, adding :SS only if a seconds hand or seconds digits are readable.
11:28
